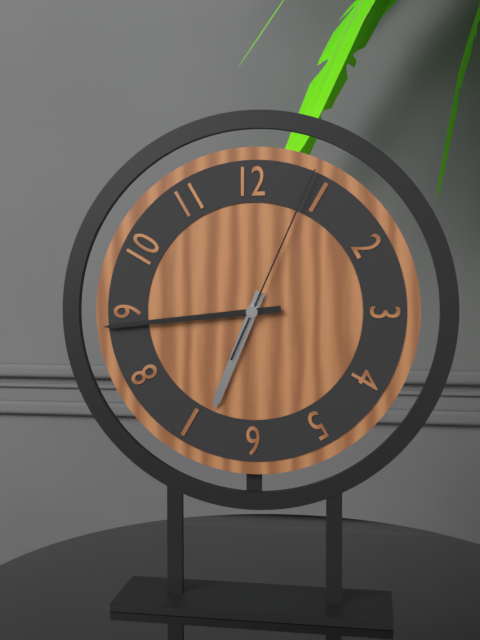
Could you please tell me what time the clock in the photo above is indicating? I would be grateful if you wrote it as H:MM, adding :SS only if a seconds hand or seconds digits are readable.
6:44:04
